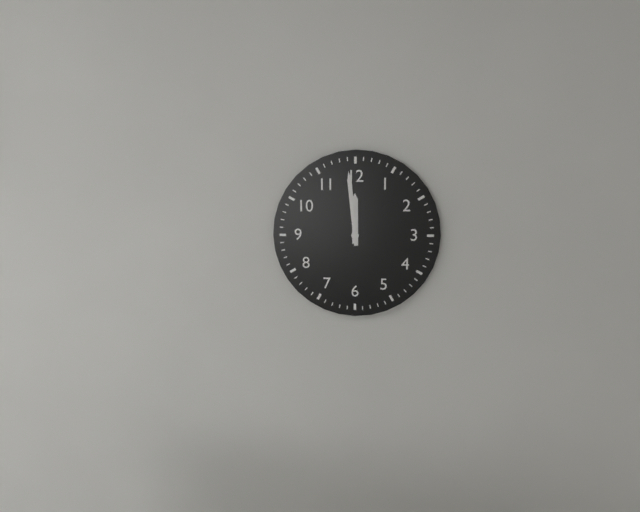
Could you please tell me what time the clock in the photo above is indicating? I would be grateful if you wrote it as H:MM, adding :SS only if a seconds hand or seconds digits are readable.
11:59
